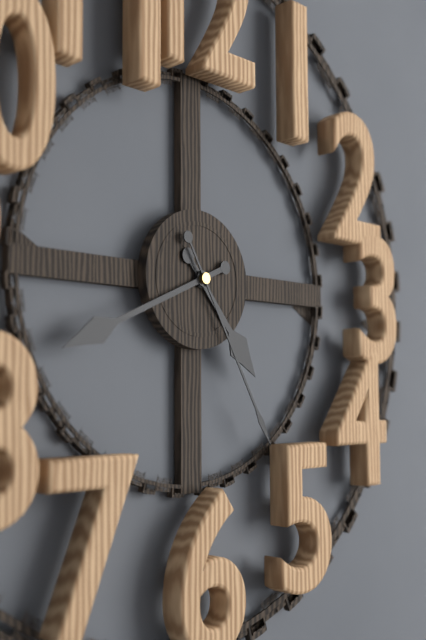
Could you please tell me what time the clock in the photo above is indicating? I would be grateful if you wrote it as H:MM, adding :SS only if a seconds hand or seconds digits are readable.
4:41:25
